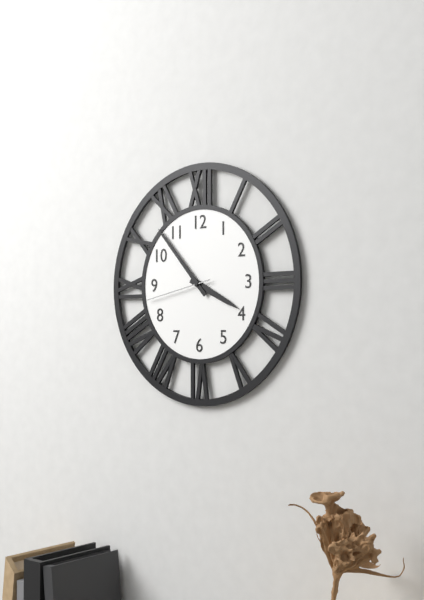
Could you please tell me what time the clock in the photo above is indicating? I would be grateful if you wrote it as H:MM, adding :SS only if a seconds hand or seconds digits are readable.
3:53:43
